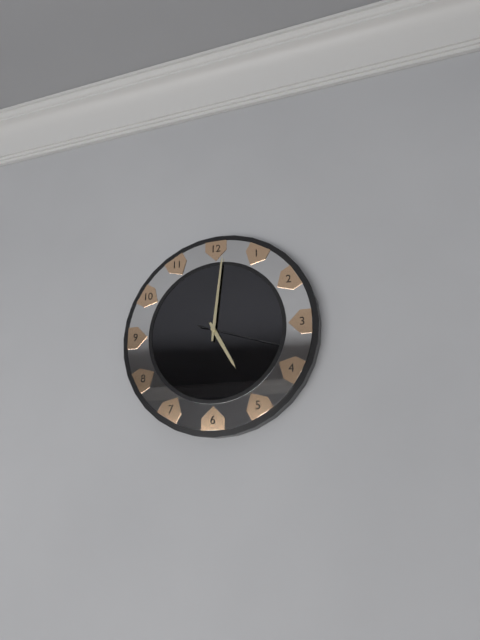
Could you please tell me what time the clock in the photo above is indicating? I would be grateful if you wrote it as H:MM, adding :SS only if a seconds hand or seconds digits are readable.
5:01:18
